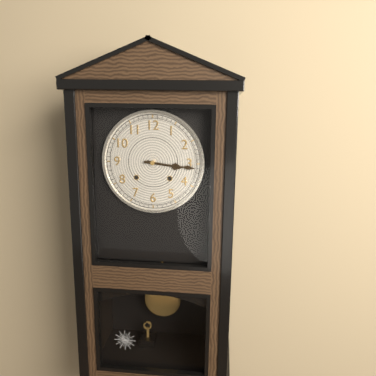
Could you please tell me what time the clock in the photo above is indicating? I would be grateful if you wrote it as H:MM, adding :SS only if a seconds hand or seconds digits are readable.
3:16
